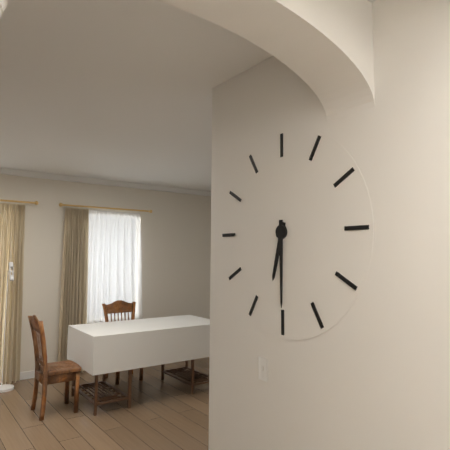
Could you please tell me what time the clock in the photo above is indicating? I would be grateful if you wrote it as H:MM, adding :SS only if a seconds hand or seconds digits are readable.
6:30
